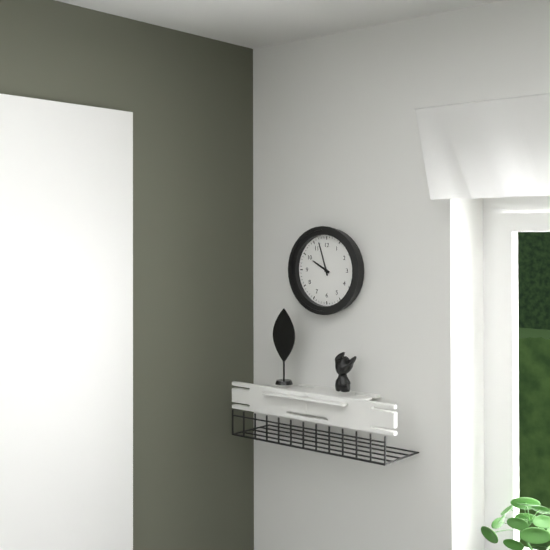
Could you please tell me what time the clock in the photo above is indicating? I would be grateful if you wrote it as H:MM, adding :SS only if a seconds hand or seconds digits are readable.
9:57
